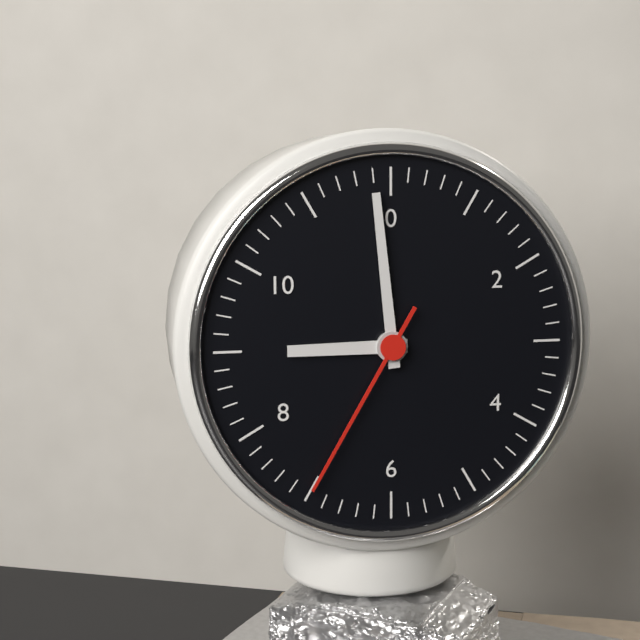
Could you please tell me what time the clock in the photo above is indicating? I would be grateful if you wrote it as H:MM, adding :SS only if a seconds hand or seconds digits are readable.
8:59:35
